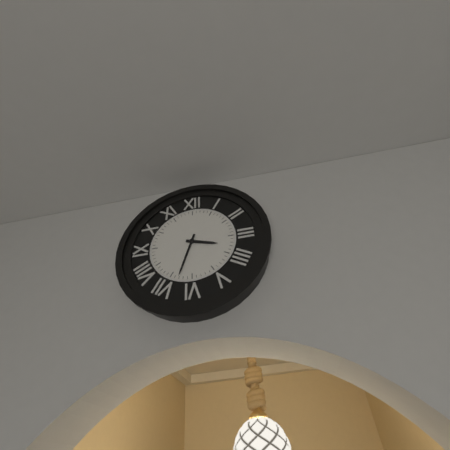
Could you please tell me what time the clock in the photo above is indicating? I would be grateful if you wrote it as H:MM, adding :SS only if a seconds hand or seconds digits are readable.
3:33
